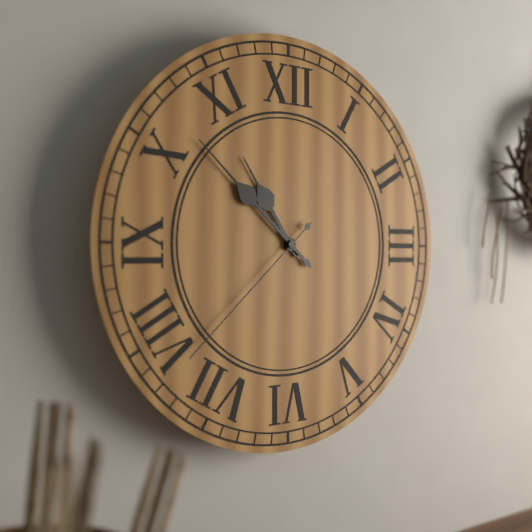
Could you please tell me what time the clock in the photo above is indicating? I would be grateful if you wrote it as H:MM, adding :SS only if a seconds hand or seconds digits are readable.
10:52:38
